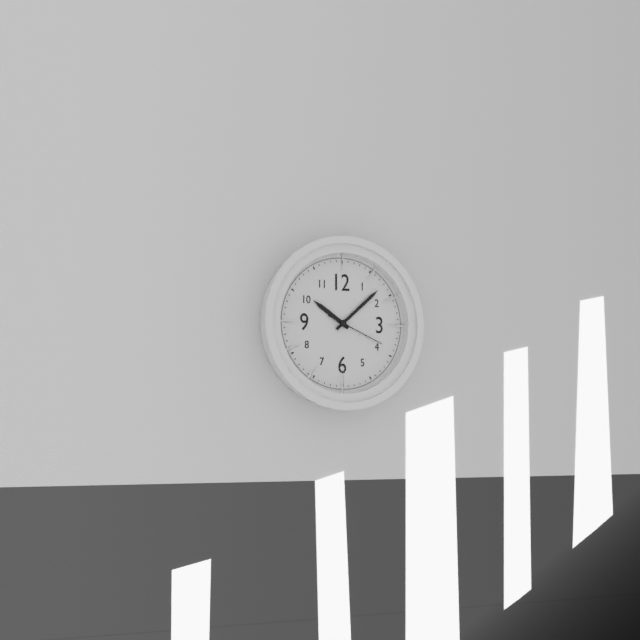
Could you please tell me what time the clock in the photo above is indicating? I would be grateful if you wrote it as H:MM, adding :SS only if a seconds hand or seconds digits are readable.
10:08:19
